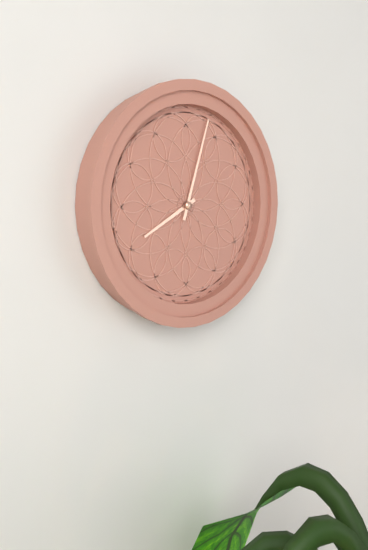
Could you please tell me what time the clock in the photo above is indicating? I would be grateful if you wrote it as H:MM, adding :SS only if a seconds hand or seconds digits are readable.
8:03
